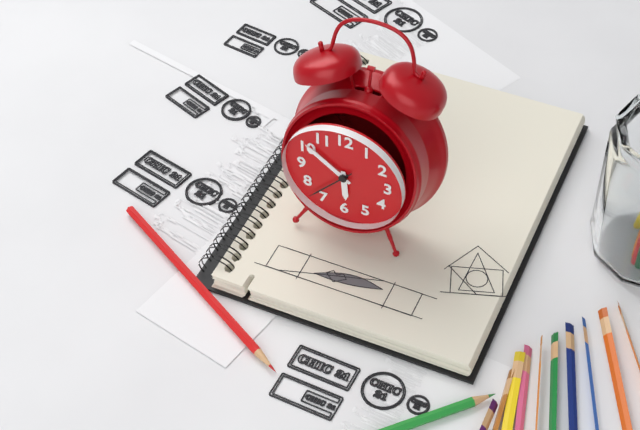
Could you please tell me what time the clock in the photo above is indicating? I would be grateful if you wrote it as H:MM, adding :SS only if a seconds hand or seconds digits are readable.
5:51:37
